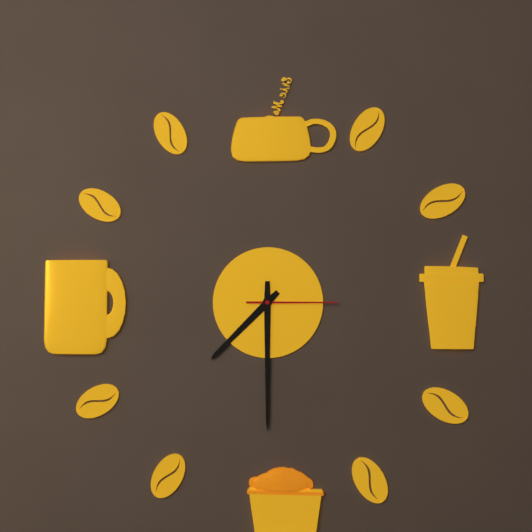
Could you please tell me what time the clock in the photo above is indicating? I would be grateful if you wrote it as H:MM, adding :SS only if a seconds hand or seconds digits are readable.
7:30:15
